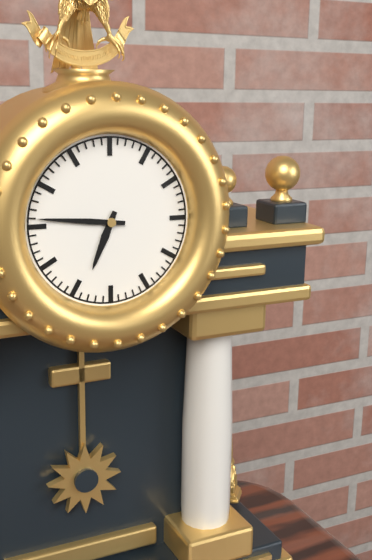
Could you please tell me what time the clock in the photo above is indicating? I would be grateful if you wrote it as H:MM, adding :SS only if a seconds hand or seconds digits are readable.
6:46
